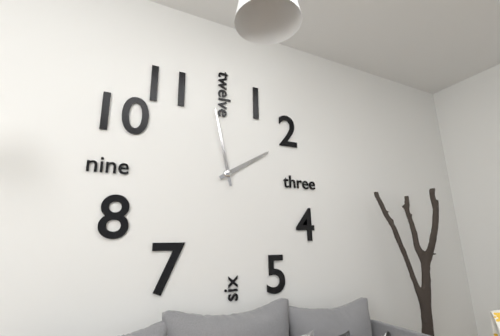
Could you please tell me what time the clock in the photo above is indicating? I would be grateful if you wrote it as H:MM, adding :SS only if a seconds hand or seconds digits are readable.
1:58
